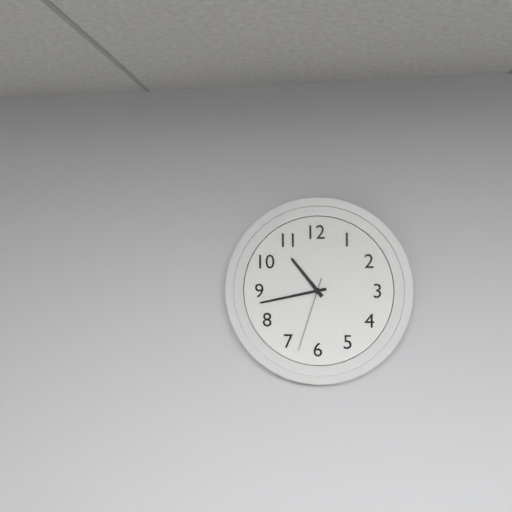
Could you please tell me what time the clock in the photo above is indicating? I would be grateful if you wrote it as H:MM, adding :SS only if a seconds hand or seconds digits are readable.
10:43:33
